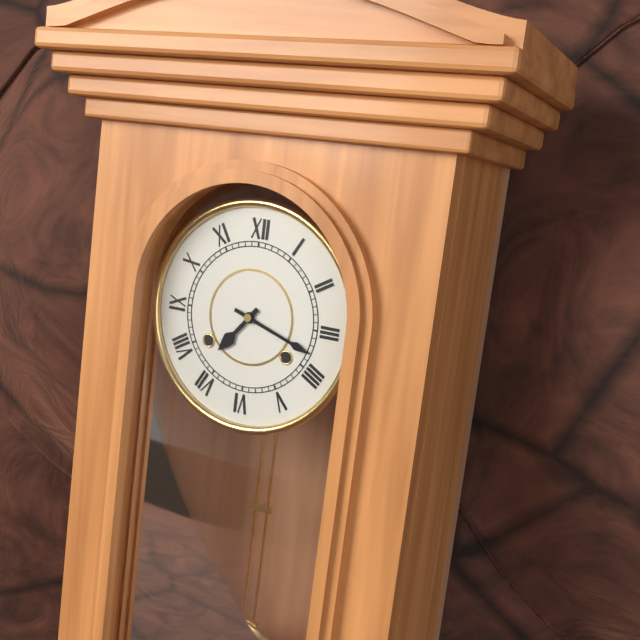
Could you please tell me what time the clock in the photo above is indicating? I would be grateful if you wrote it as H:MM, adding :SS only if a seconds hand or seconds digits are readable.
7:18
